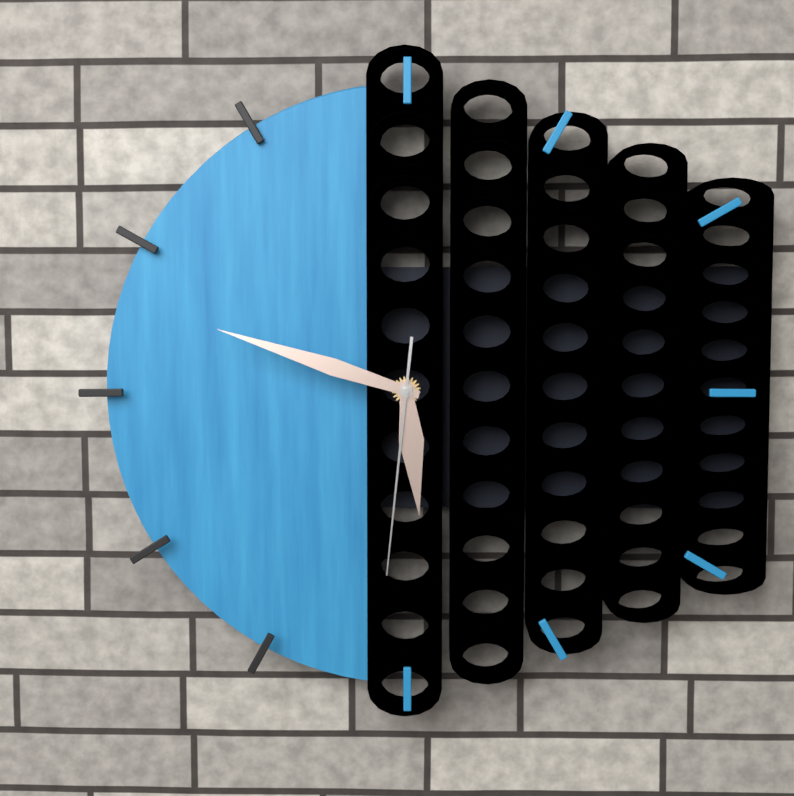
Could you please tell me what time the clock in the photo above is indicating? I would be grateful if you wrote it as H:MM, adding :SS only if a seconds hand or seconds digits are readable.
5:48:31
